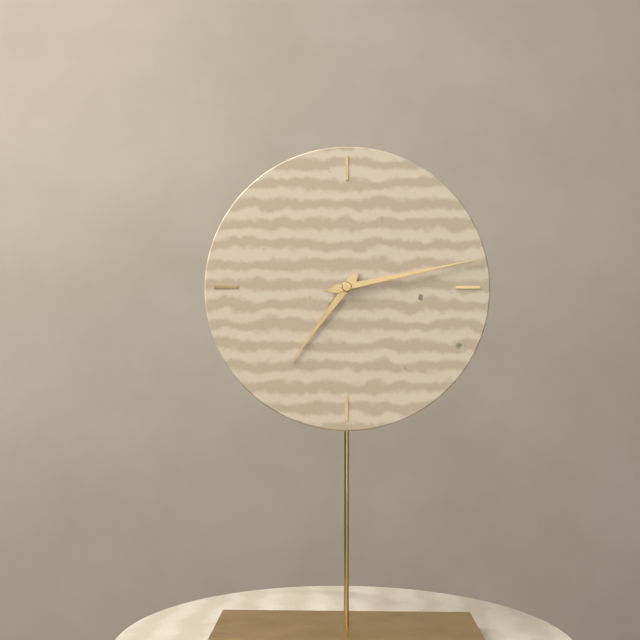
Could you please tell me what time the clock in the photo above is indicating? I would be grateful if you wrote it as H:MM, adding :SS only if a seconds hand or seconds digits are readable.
7:13
